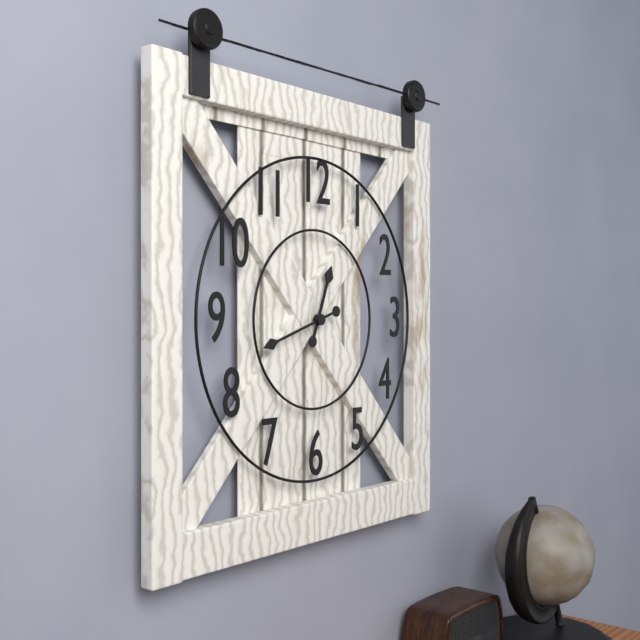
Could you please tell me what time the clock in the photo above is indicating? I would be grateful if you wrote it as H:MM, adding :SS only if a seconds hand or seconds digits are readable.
12:42
